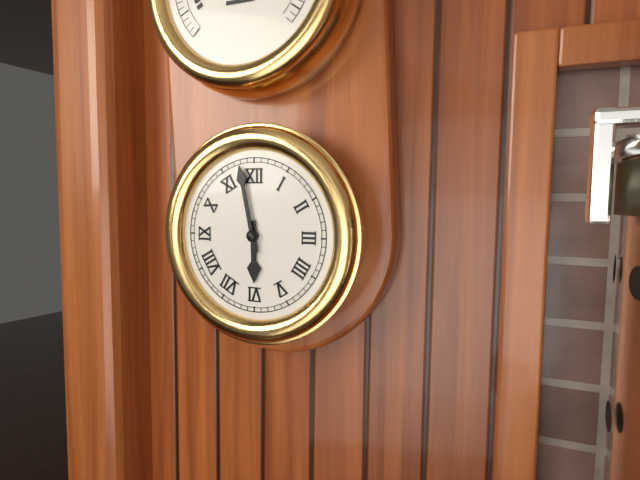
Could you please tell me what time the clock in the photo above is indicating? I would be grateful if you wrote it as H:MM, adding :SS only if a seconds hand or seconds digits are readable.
5:58
